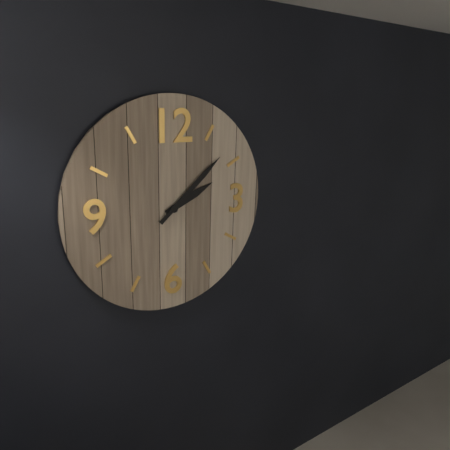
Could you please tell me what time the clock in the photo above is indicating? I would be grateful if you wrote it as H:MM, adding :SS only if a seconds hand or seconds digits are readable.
2:08
